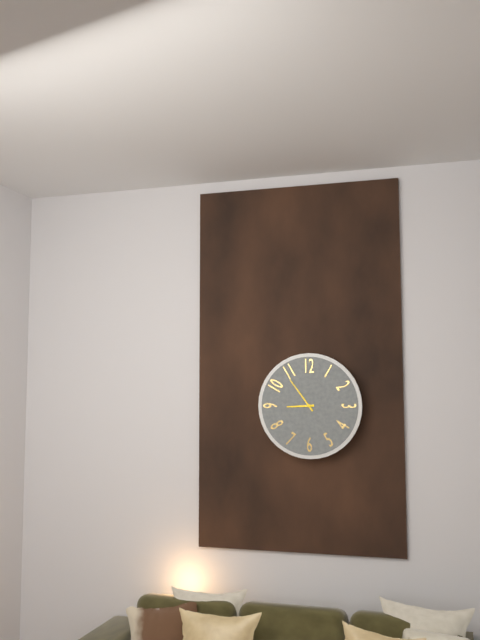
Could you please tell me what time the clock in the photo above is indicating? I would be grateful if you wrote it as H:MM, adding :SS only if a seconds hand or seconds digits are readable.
8:54
